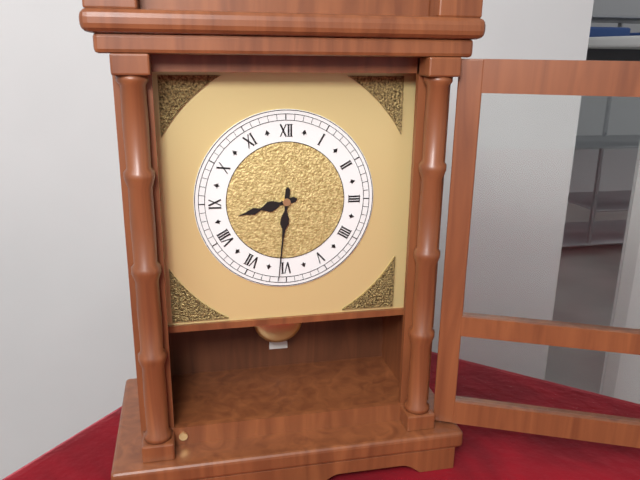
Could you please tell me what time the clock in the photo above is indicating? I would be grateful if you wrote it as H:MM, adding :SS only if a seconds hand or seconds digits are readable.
8:31
